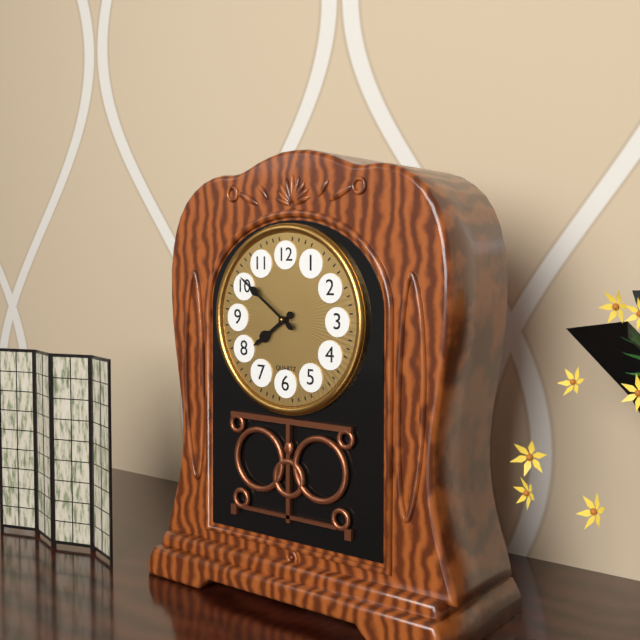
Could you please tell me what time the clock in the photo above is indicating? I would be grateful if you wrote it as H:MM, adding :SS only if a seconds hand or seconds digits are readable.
7:51
